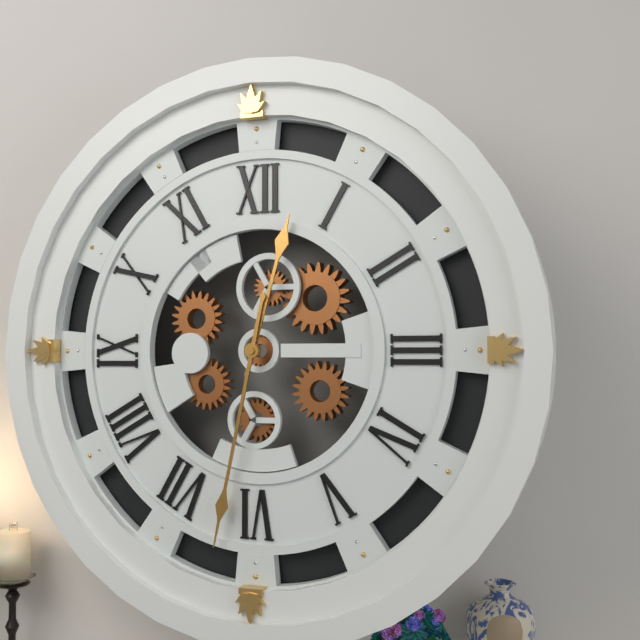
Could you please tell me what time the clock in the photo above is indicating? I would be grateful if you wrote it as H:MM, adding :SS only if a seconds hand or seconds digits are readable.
12:32
